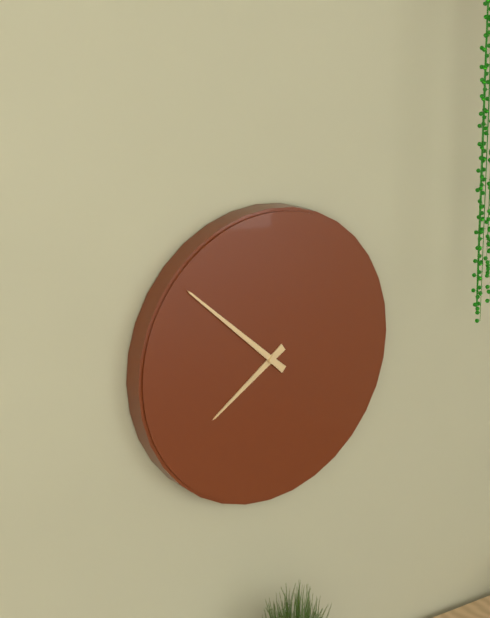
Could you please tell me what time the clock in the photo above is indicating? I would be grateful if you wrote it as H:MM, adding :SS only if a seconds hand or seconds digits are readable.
7:52
